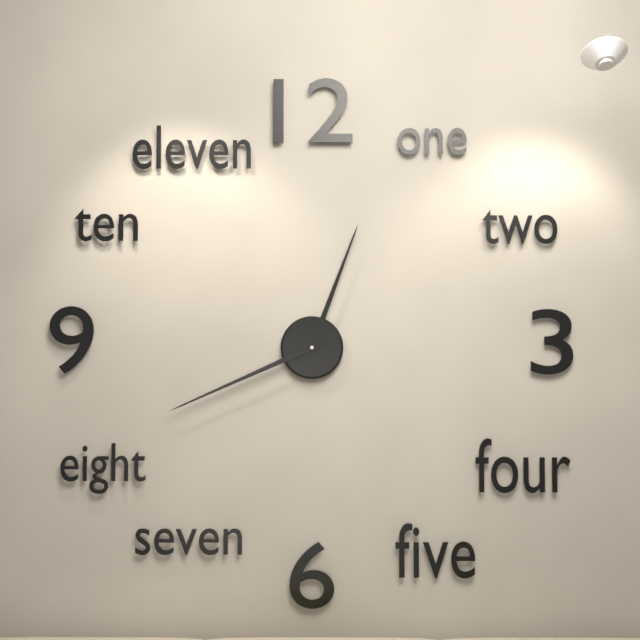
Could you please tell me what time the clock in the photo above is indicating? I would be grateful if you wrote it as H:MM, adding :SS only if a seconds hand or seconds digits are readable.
12:41
